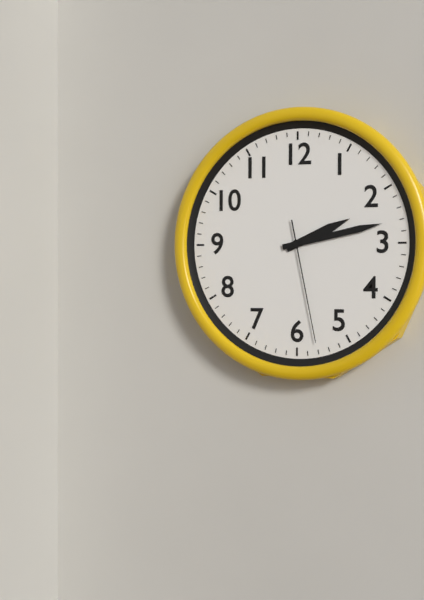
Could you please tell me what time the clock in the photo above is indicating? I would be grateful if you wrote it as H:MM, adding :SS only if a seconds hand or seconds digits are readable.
2:13:28
